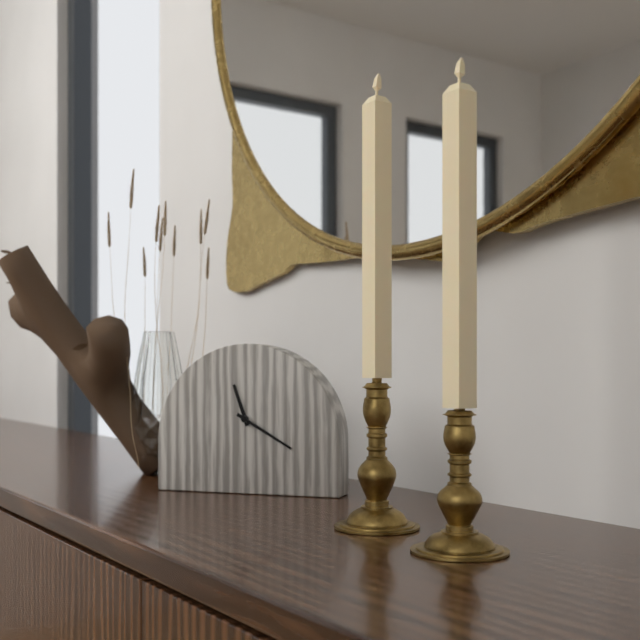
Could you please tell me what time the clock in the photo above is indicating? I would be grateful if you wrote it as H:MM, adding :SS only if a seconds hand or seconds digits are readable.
11:20
